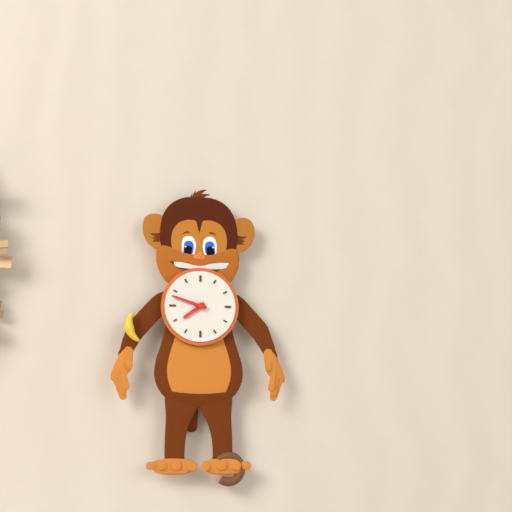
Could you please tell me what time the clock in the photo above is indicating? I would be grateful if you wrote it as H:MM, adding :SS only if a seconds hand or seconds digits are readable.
7:48
